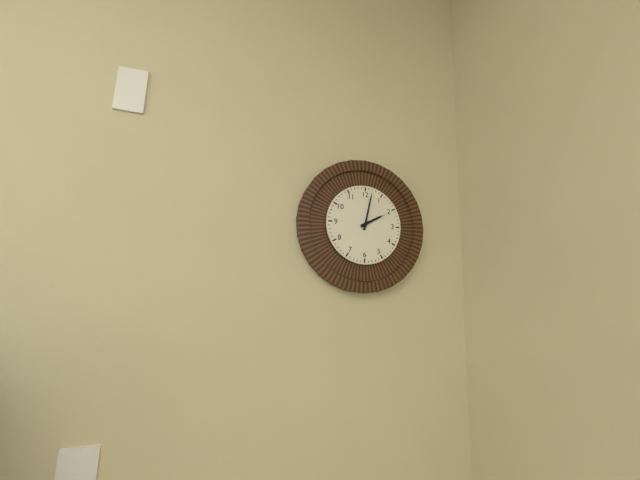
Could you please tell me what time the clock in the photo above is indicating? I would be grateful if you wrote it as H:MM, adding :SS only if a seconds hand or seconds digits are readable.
2:02
